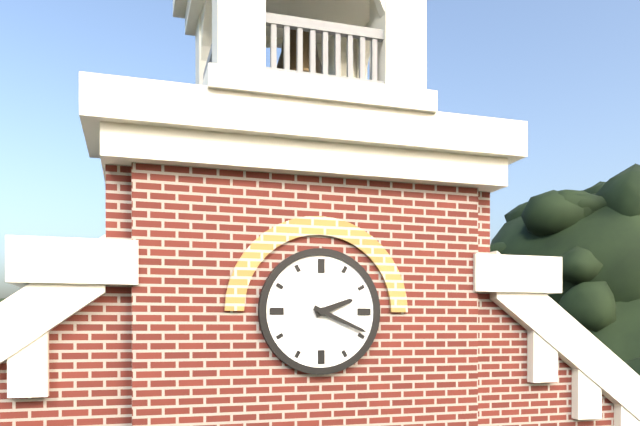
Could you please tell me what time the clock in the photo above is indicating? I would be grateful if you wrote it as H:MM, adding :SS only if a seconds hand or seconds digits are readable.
2:19
